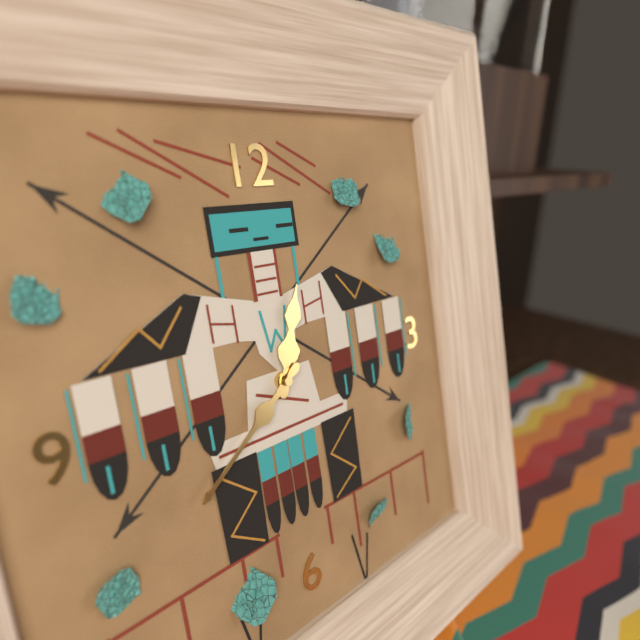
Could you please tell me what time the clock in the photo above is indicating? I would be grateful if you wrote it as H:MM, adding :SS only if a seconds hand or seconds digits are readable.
12:39
